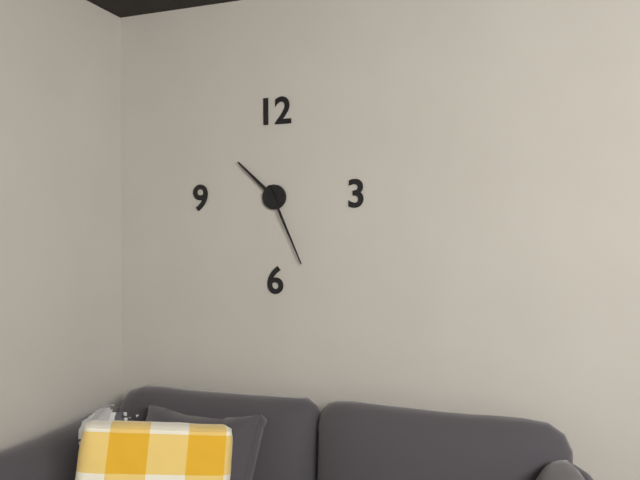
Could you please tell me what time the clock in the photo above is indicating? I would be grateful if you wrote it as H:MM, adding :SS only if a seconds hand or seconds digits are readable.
10:26
